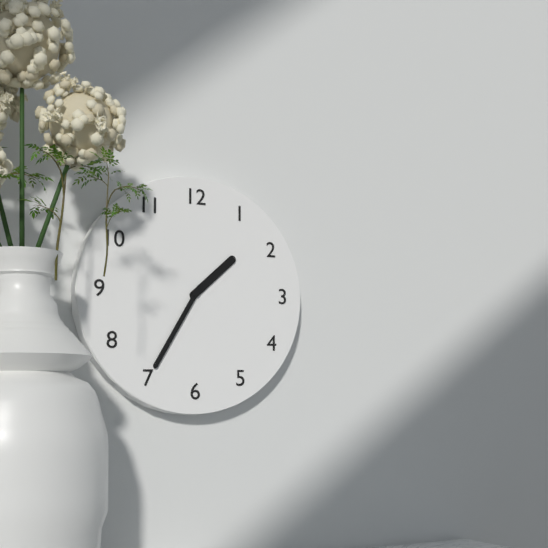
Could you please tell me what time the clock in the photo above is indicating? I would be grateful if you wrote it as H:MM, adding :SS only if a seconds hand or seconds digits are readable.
1:35
